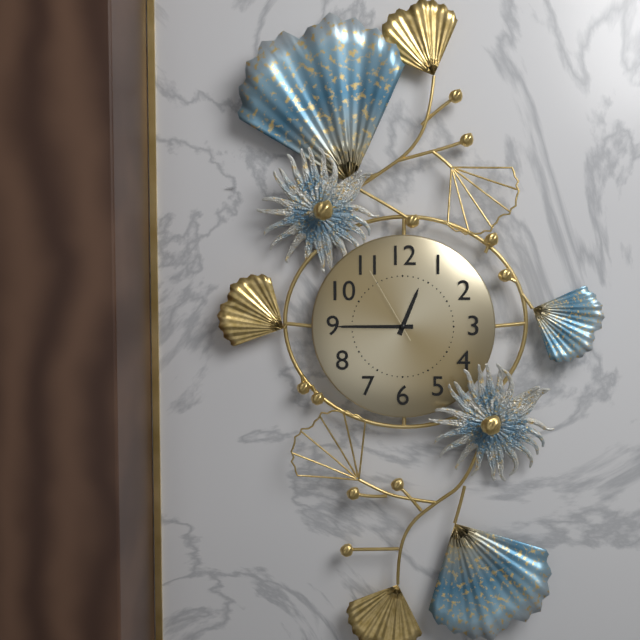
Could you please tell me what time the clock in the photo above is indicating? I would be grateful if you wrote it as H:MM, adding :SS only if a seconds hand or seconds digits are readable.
12:45:55
